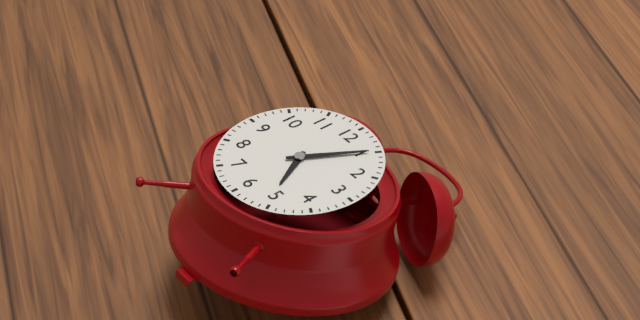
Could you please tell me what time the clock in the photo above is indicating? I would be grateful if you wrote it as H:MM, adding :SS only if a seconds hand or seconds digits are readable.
5:05
